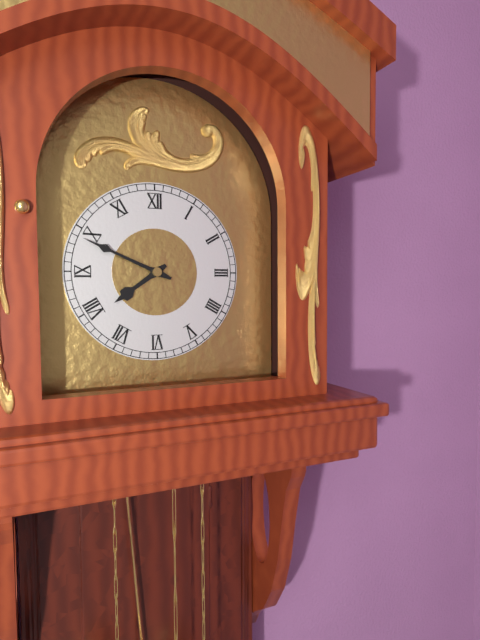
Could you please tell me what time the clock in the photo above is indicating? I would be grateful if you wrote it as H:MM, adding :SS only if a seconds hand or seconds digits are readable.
7:49
